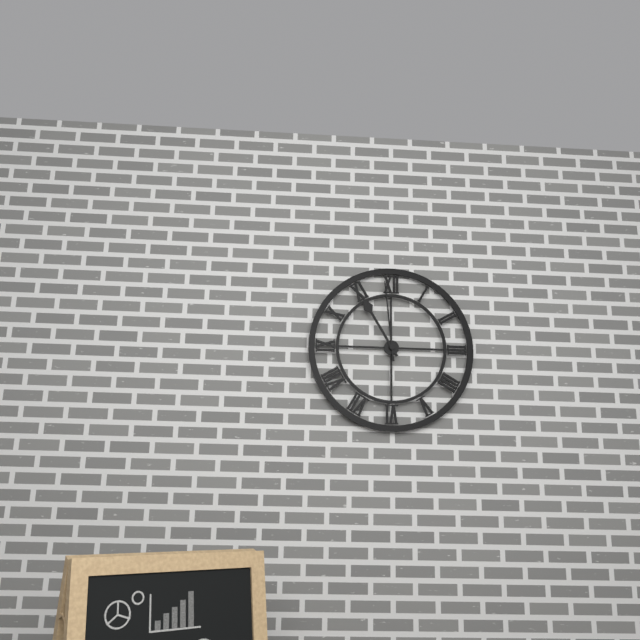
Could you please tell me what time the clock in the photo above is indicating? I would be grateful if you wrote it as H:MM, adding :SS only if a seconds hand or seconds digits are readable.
10:59
